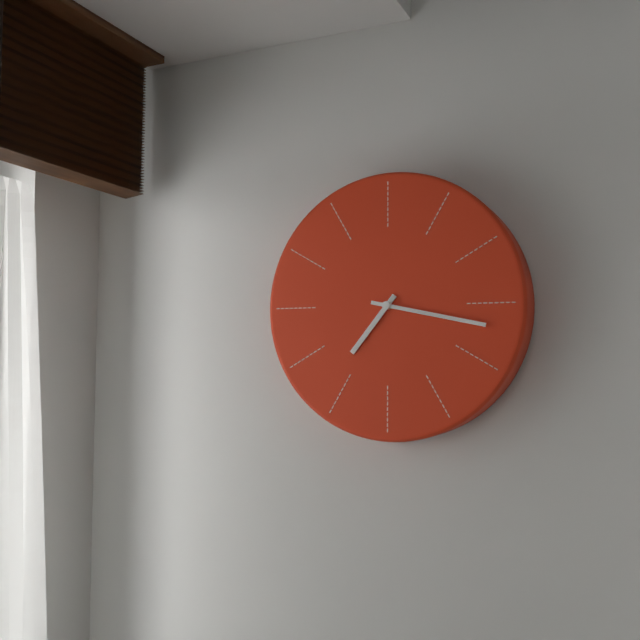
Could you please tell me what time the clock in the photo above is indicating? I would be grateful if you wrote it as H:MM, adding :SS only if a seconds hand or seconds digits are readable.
7:17
